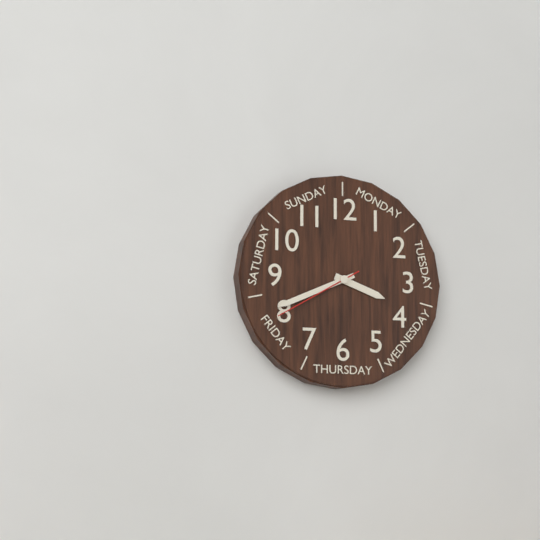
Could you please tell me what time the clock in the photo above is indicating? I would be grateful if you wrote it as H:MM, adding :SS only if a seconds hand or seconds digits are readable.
3:41:40
